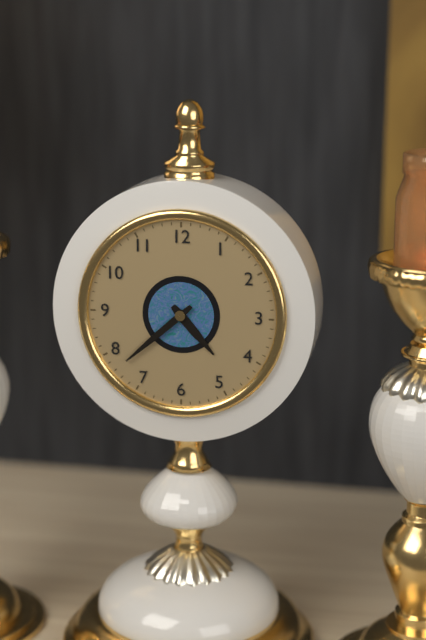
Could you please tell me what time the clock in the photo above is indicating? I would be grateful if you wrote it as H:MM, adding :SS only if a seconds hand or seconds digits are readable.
4:38
